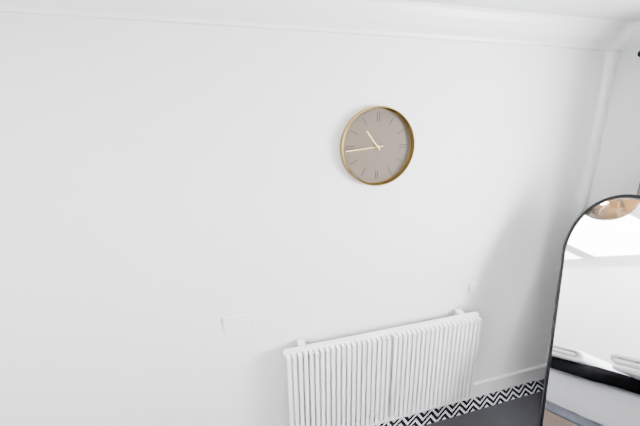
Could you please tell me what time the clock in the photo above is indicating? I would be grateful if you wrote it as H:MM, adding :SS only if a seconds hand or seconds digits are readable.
10:44
